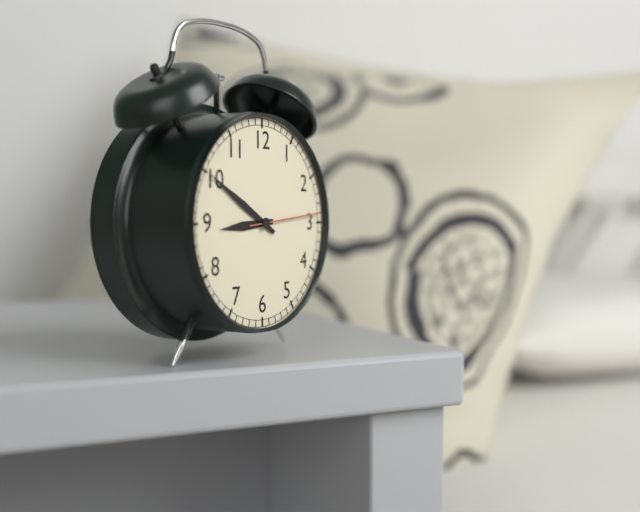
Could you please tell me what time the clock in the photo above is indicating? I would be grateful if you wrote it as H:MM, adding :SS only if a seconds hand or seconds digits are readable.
8:50:14
